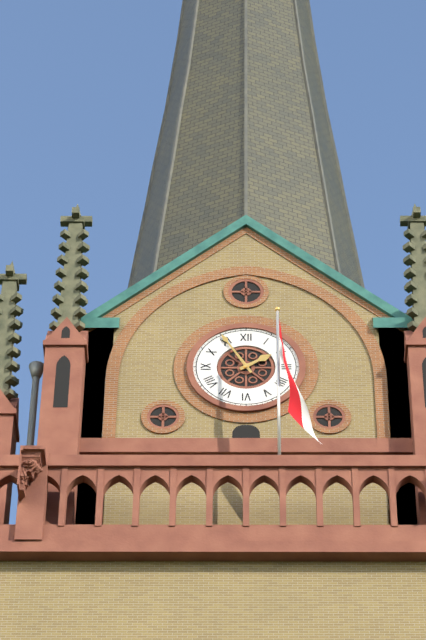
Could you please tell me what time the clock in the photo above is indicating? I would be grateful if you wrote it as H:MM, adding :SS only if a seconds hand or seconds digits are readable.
1:55
